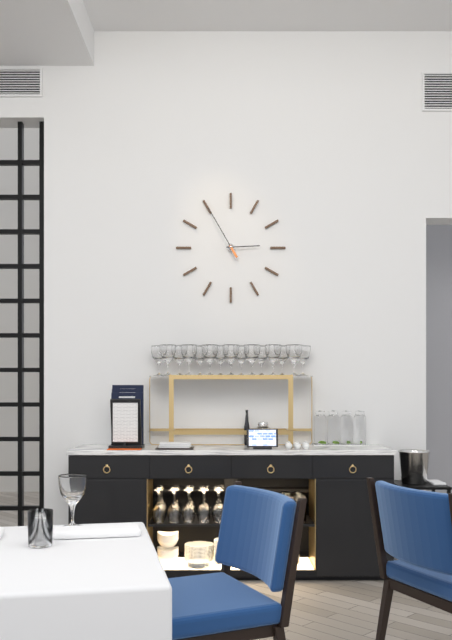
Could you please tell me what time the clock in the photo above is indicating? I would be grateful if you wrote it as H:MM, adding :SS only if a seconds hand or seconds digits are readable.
2:55
